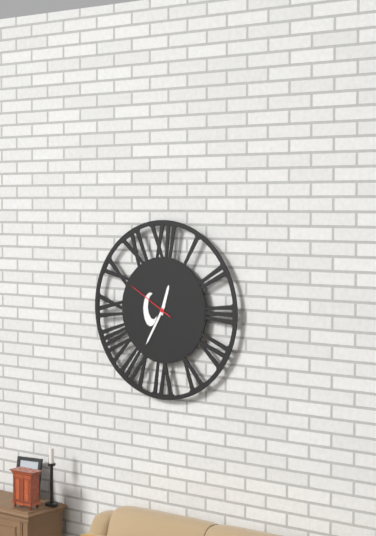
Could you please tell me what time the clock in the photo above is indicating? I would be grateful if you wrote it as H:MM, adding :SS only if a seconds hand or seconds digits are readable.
12:35:50
